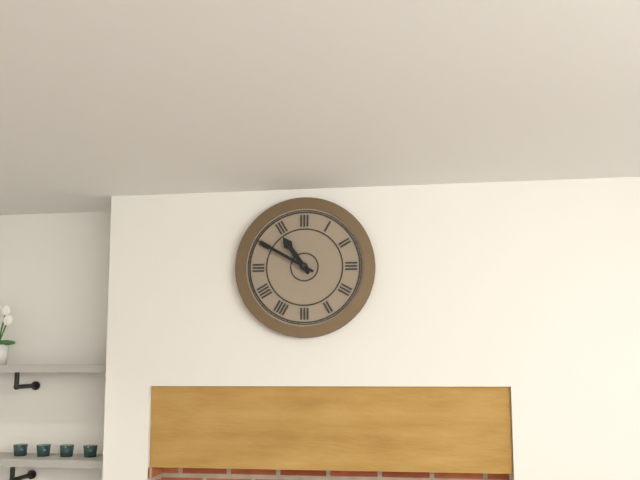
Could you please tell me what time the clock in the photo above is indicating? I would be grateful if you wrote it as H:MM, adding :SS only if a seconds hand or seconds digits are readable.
10:50
